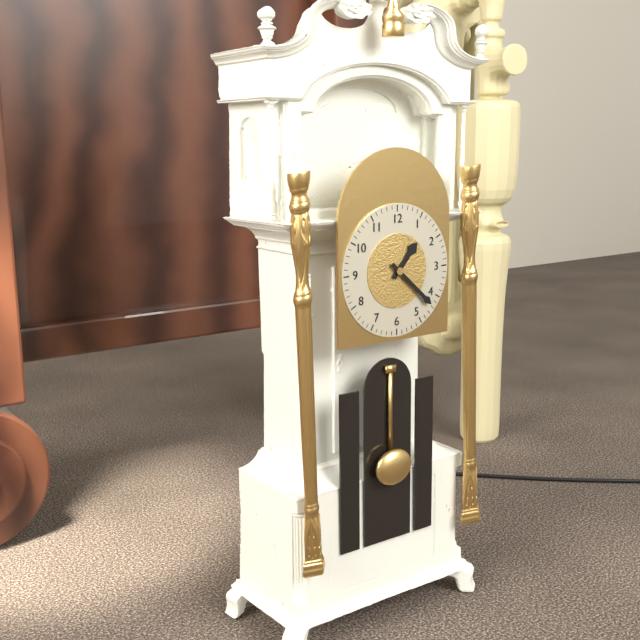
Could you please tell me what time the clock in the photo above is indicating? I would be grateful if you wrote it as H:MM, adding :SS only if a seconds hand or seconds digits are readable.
1:22
